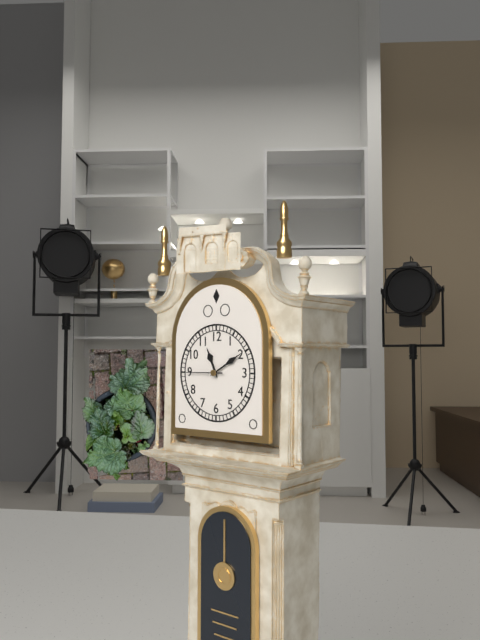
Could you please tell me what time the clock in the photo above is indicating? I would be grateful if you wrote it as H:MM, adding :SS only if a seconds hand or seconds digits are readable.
11:10
